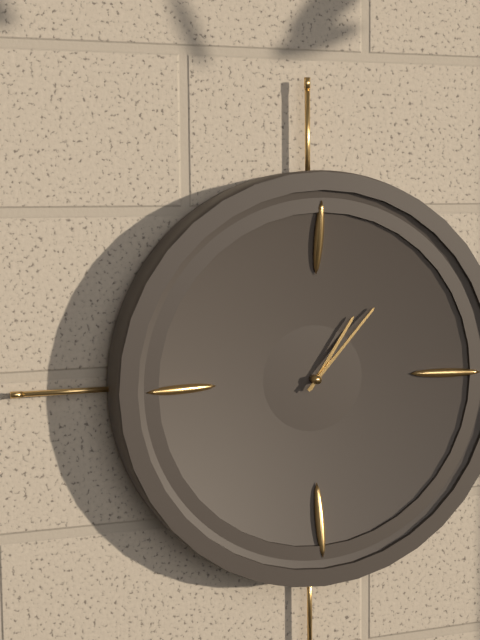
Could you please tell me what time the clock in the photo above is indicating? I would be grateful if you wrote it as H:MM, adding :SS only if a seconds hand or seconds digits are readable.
1:07
